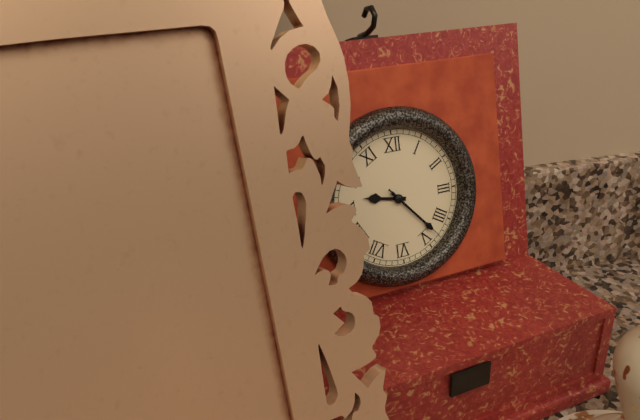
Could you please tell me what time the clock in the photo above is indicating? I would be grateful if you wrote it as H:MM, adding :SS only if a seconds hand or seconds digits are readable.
9:23:23
